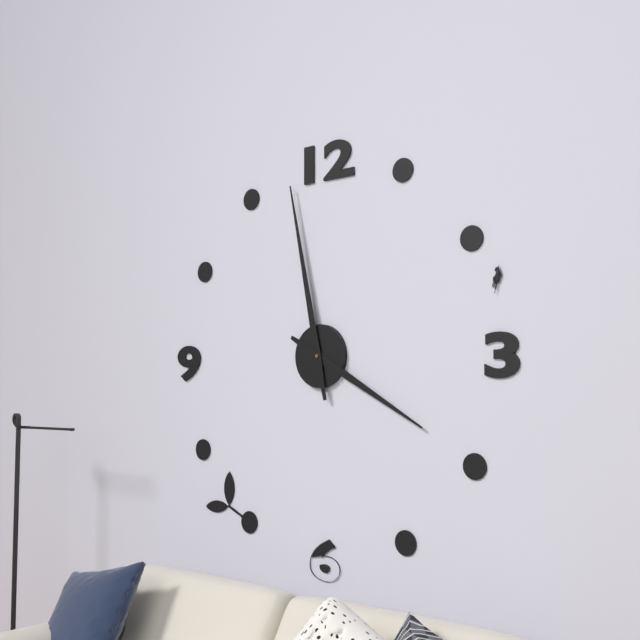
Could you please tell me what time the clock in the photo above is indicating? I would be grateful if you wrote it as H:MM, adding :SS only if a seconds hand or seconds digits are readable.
3:58
